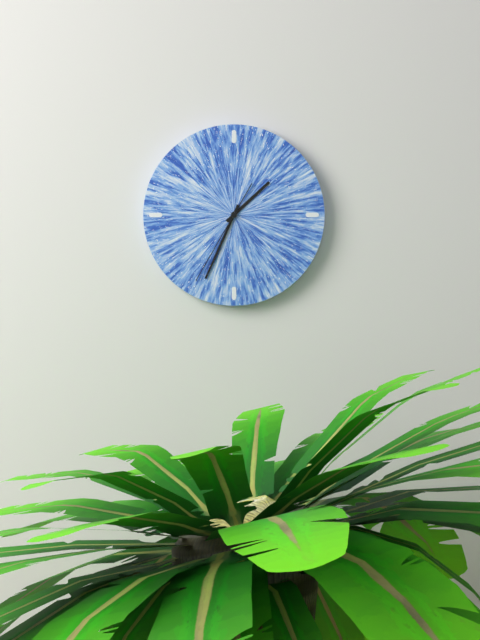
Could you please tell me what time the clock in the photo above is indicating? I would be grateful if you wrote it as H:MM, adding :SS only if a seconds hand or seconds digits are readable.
1:34:35
